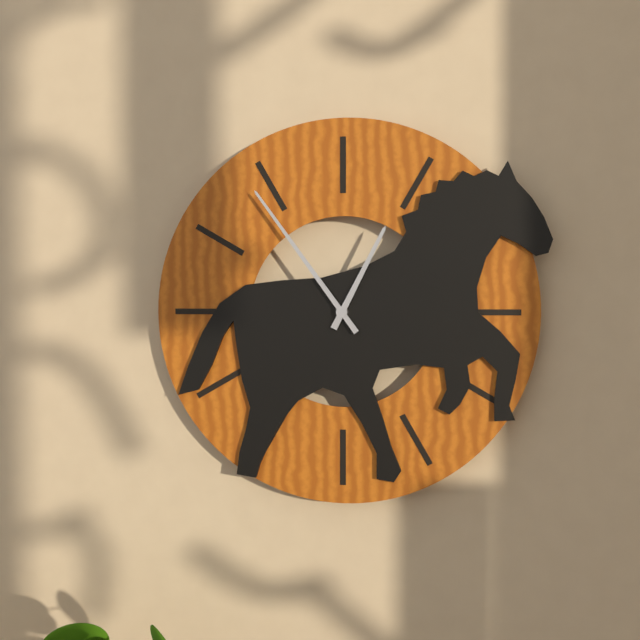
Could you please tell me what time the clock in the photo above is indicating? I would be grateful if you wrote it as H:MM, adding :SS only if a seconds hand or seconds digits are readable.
12:54
